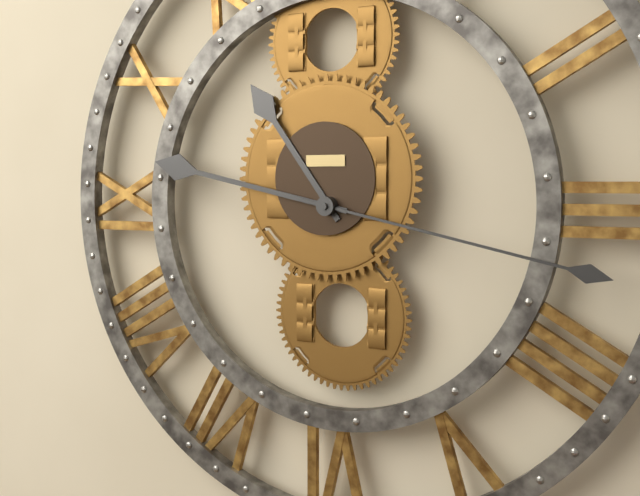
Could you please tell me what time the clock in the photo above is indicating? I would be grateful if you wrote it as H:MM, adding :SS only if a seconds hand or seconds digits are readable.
10:47:17
